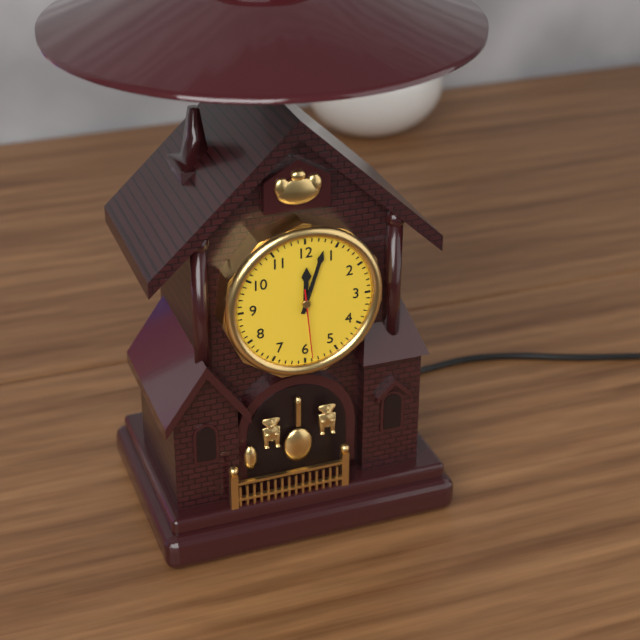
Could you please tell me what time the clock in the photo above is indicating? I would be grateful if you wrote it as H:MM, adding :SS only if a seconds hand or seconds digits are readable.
12:03:29
